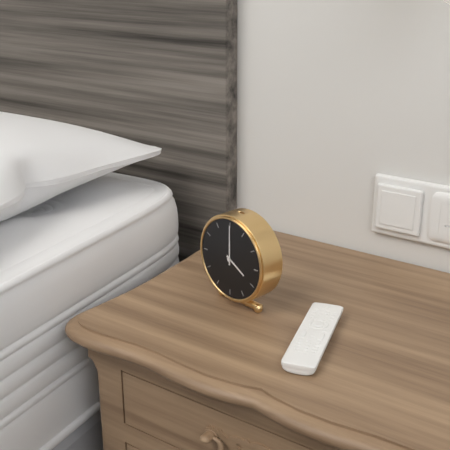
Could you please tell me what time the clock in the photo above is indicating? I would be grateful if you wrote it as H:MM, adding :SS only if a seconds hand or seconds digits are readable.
4:00
